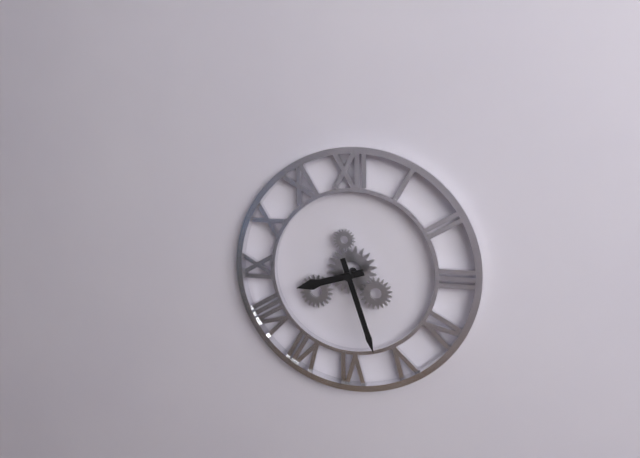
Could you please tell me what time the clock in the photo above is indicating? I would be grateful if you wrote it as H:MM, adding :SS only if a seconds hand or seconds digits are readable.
8:27
